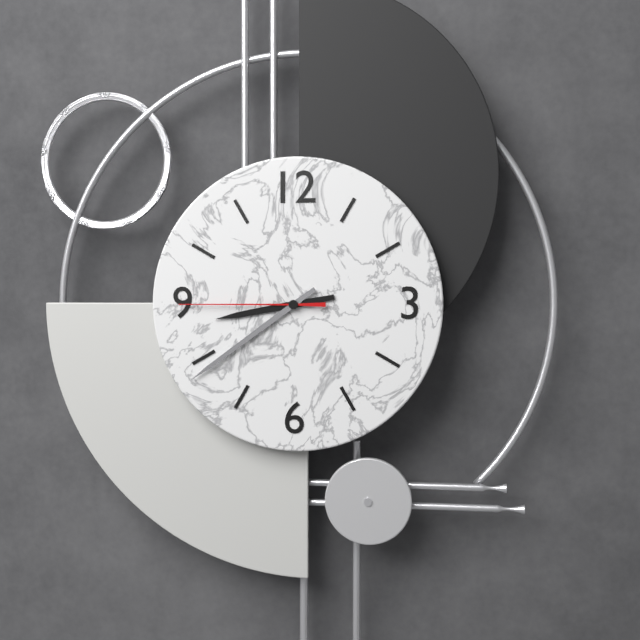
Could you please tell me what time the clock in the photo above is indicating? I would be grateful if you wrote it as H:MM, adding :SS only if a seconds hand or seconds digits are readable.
8:39:45
